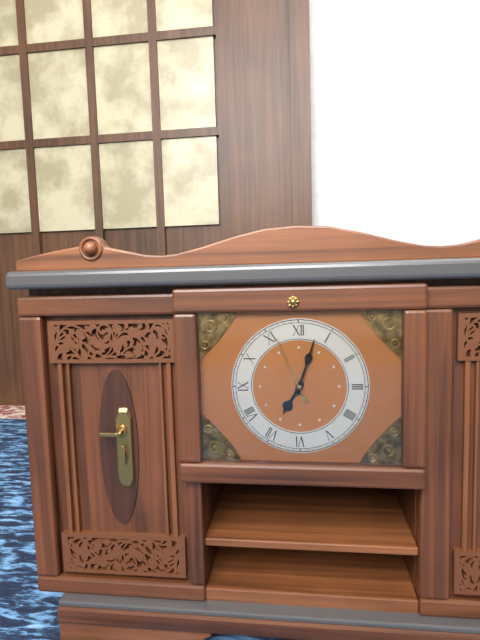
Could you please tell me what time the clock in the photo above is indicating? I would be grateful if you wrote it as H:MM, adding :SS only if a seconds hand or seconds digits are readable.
7:03:56
